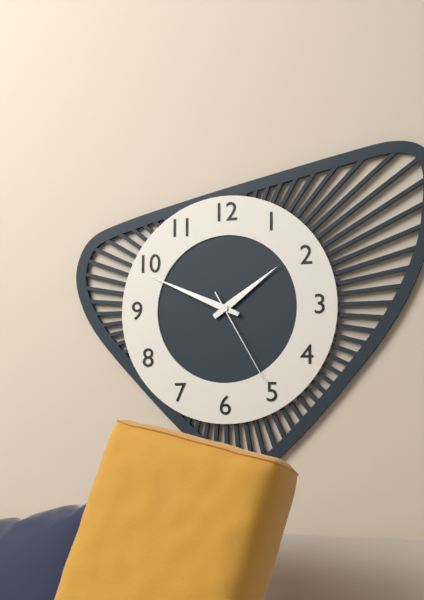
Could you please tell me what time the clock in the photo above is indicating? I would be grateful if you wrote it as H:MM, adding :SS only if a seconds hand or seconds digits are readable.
1:49:25
